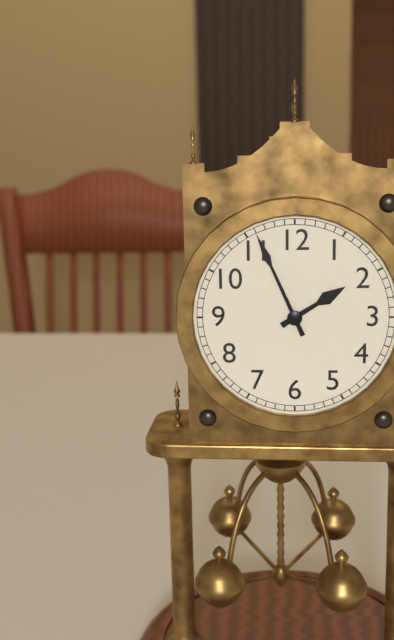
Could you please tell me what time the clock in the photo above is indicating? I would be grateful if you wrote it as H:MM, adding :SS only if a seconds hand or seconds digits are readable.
1:56
